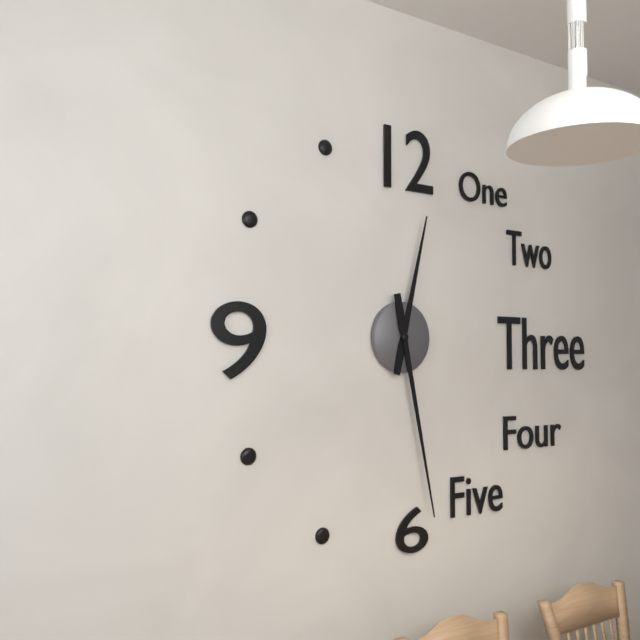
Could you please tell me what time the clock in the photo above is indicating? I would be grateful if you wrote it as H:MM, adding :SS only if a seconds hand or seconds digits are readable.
12:28
